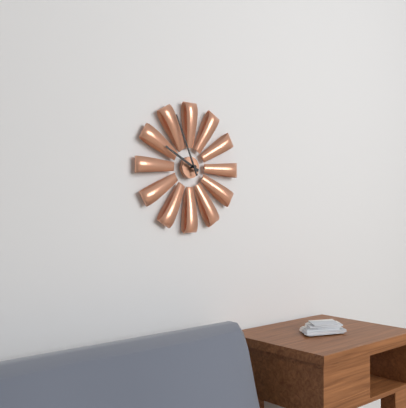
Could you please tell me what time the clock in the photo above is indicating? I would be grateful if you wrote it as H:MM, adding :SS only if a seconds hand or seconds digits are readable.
9:56
